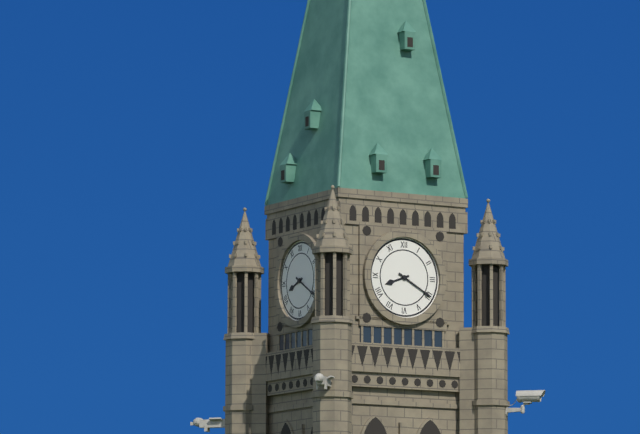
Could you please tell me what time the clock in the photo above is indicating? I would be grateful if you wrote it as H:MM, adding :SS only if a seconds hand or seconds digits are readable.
8:20
